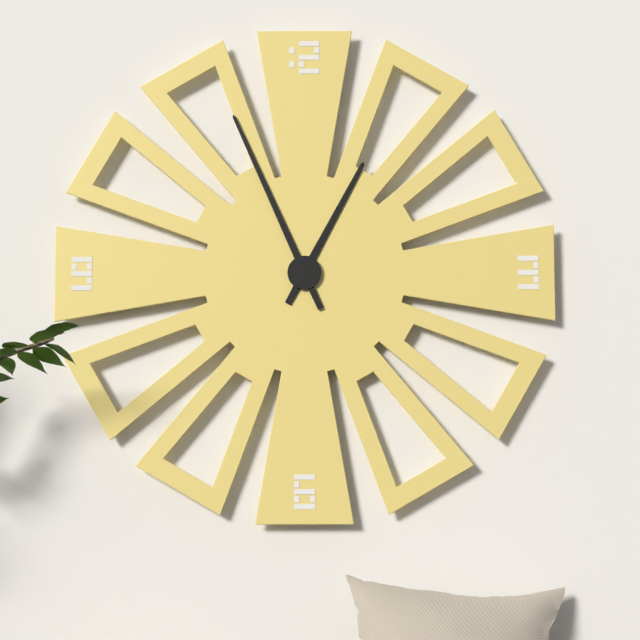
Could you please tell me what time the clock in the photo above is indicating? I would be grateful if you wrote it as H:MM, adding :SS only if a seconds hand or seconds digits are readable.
12:56
